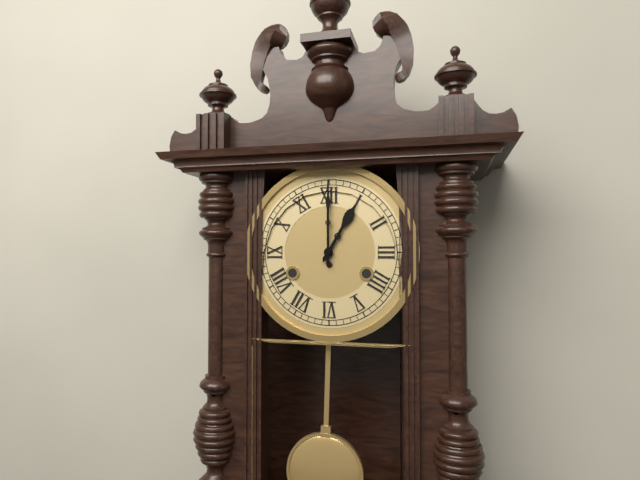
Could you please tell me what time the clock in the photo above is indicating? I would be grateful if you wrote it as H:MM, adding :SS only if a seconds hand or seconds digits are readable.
1:00
